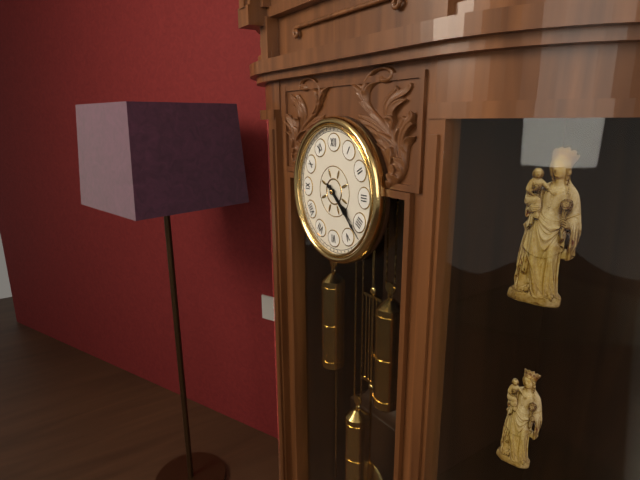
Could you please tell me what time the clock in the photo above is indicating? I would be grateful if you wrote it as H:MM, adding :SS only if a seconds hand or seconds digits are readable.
4:22
